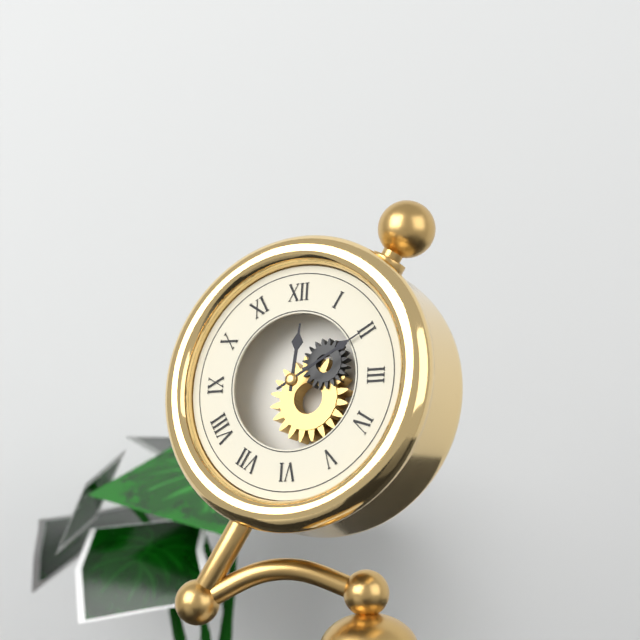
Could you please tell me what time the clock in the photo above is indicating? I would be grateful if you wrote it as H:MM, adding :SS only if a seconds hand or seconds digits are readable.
12:10
